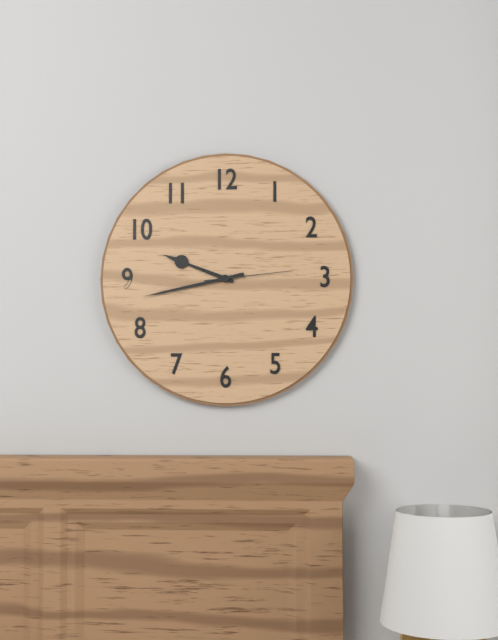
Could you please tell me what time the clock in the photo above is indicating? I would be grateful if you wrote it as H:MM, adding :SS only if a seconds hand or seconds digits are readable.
9:43:14
